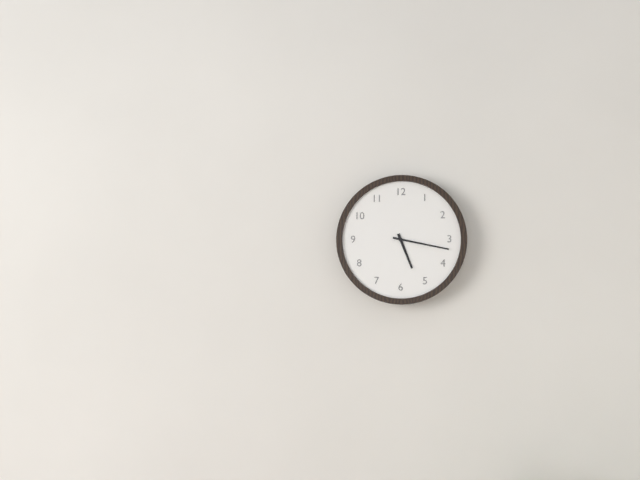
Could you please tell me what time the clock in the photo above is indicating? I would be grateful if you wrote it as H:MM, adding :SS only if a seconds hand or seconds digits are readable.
5:17
